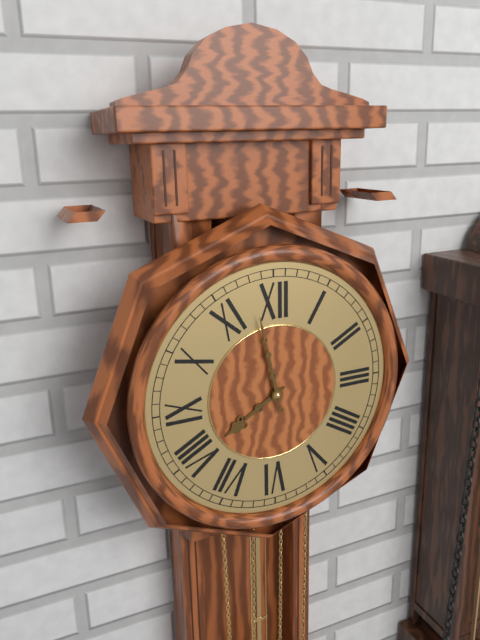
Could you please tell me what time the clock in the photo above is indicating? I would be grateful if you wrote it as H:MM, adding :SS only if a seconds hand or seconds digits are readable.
7:58
